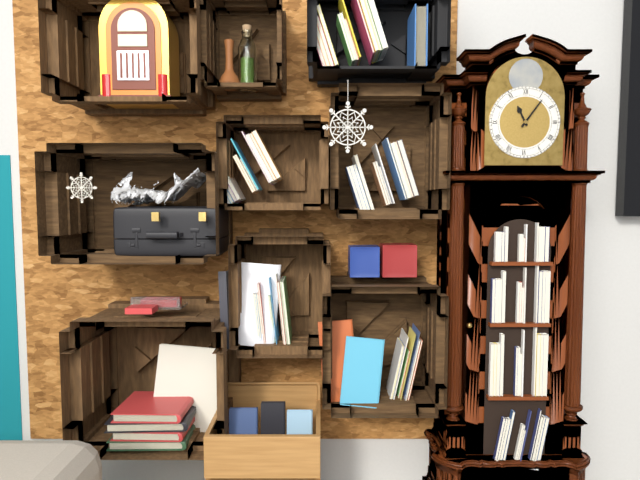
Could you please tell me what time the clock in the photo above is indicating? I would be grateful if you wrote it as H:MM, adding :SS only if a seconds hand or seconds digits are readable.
11:06
